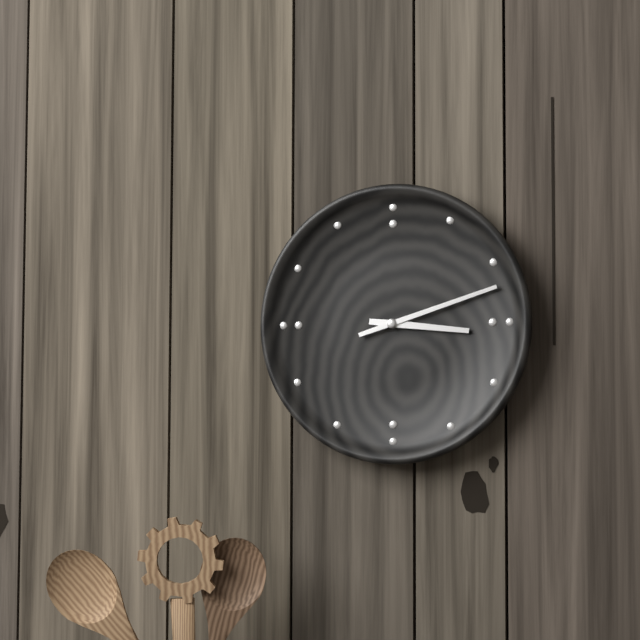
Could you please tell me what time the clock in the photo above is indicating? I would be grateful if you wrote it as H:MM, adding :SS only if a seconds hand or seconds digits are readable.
3:12
